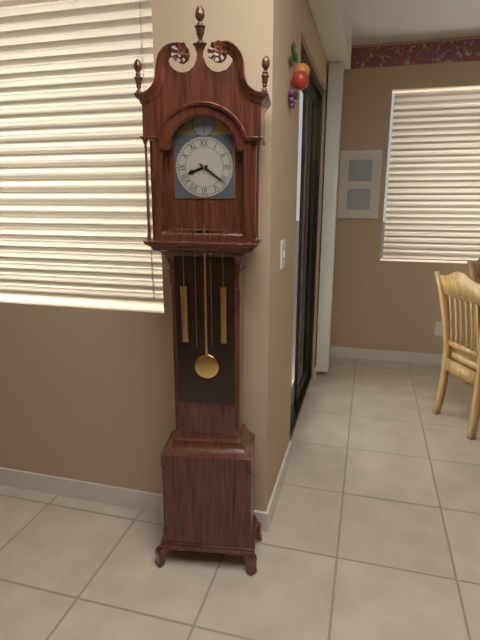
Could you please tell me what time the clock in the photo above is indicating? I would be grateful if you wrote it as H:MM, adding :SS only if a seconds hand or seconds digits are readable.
8:21
